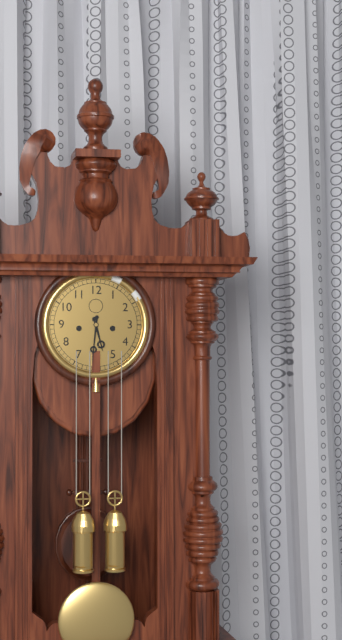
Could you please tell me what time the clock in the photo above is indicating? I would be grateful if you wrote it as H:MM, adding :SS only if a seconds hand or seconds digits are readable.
5:31
